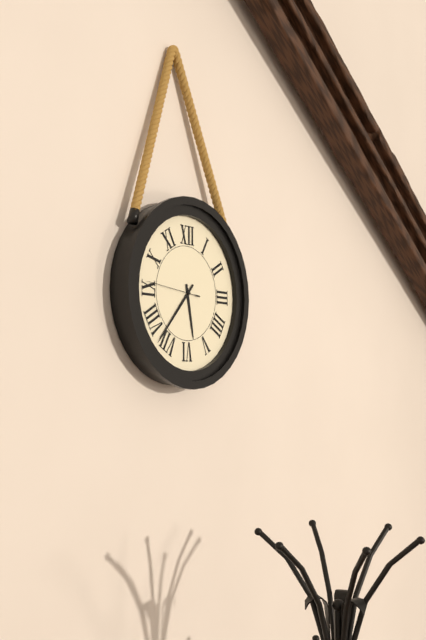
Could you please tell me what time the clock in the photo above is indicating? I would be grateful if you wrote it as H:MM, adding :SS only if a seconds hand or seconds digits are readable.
5:37:46
